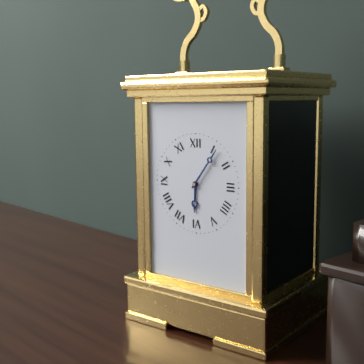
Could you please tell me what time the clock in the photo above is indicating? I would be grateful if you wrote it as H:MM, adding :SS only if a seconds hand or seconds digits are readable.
6:06
